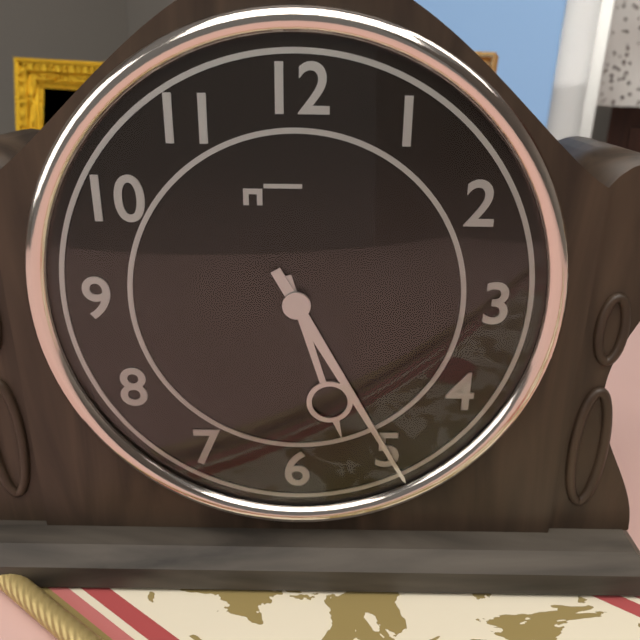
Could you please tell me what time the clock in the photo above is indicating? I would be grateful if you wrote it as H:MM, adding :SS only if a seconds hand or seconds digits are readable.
5:25
